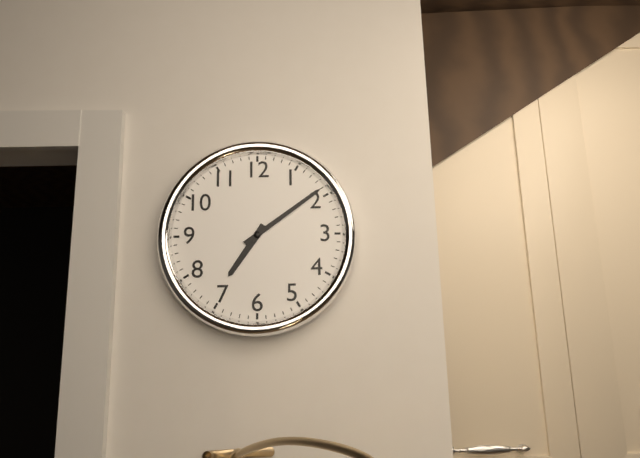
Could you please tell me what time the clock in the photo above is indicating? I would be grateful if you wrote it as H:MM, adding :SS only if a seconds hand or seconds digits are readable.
7:09
